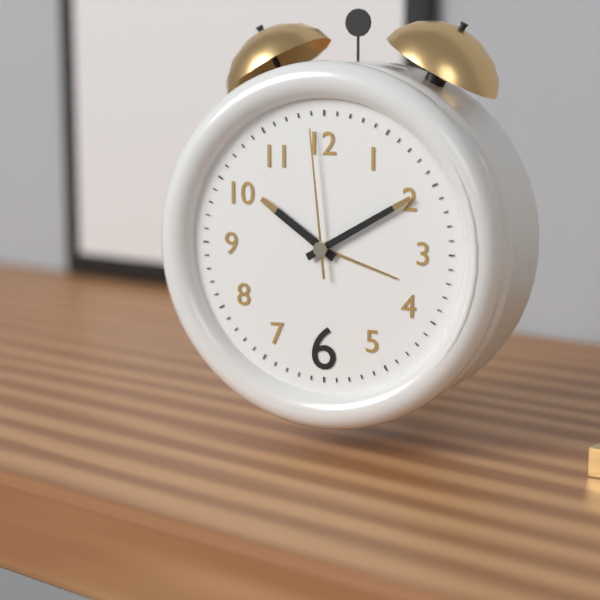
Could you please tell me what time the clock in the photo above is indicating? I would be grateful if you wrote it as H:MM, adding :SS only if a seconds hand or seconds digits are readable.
10:10:59
